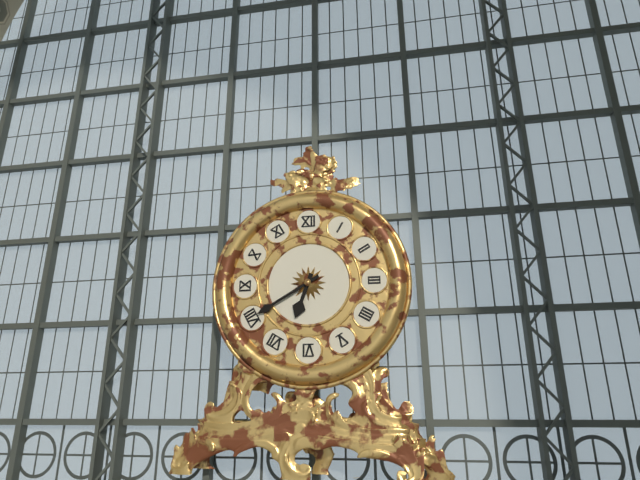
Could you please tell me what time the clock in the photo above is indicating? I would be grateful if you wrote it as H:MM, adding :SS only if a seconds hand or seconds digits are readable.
6:40
